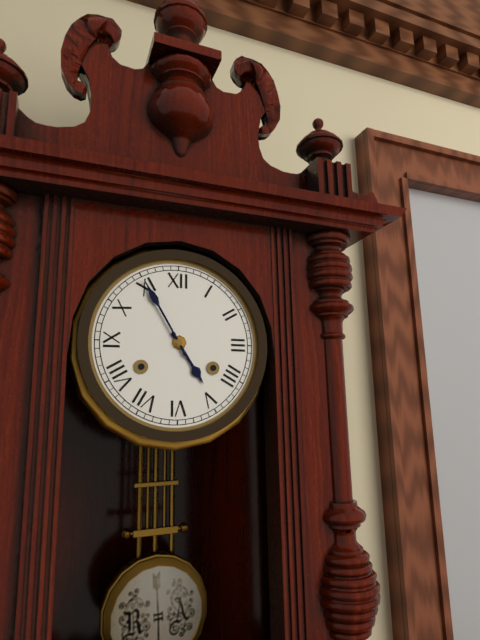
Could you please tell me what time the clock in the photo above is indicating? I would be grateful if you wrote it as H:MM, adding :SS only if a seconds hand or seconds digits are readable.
4:55
